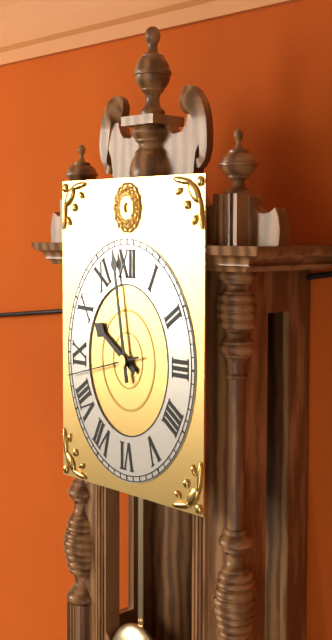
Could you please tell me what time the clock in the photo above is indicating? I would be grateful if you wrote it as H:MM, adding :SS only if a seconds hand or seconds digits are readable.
9:58:43
